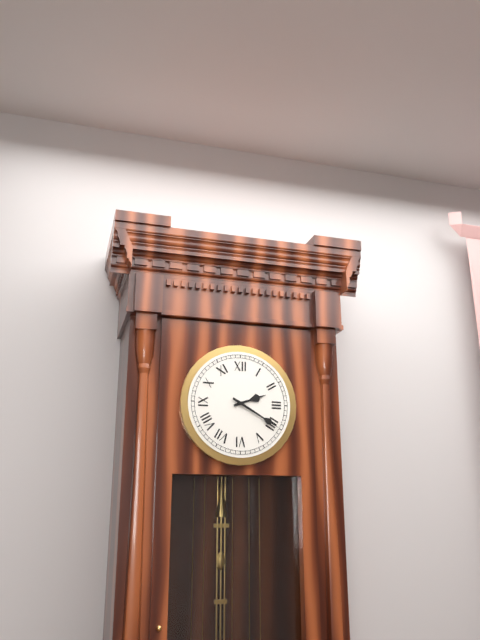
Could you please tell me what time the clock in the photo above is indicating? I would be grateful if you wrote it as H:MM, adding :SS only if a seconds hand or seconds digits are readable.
2:20
